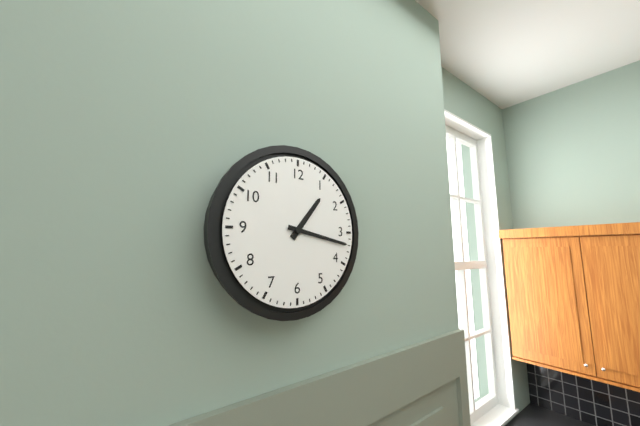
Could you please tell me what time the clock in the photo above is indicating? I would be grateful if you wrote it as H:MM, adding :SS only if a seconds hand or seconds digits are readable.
1:17
